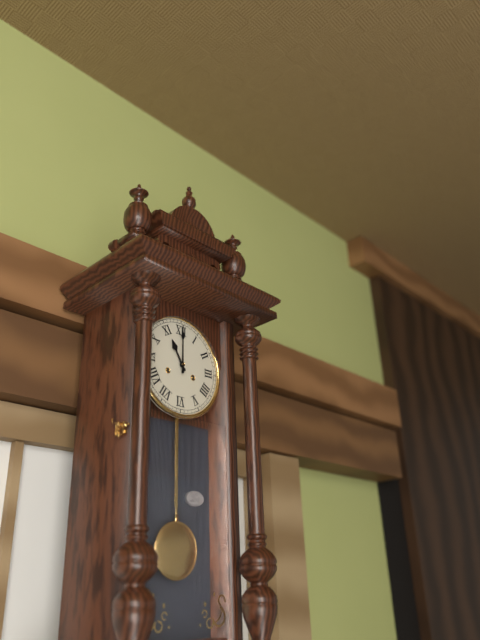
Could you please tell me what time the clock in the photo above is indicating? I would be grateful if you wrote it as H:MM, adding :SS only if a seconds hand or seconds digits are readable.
11:00
